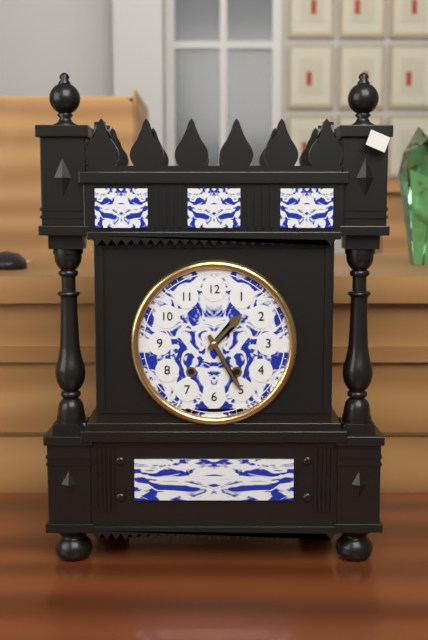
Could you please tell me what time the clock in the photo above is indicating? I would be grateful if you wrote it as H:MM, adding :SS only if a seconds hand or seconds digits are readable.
1:25
